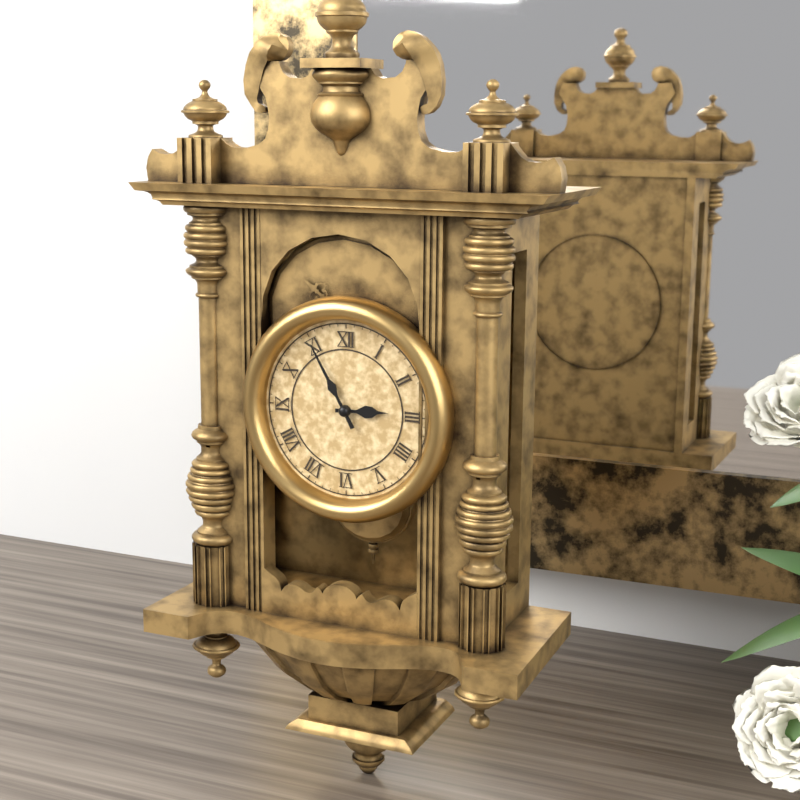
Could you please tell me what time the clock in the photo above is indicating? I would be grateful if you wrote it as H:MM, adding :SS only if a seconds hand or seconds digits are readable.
2:55
